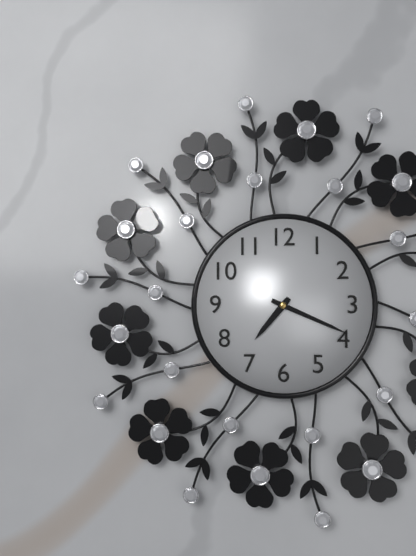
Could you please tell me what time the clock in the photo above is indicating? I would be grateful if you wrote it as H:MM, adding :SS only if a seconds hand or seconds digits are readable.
7:19
